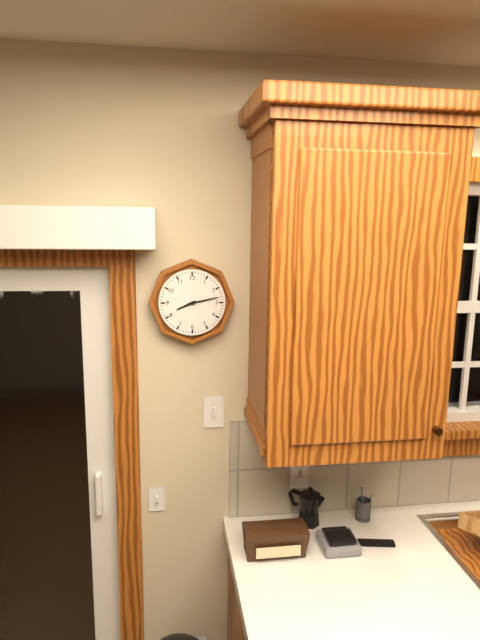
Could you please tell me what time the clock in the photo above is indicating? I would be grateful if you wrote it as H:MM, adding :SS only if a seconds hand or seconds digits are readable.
8:13
